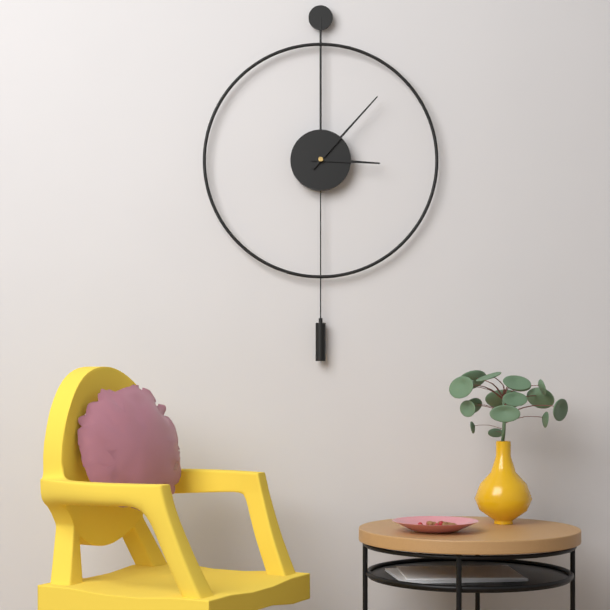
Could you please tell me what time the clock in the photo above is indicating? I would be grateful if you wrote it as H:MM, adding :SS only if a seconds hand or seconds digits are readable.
3:07
